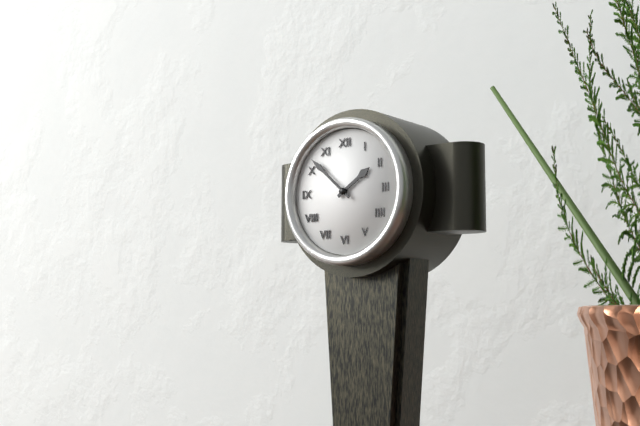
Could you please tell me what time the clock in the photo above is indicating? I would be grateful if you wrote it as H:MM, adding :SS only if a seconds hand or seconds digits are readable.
1:52
